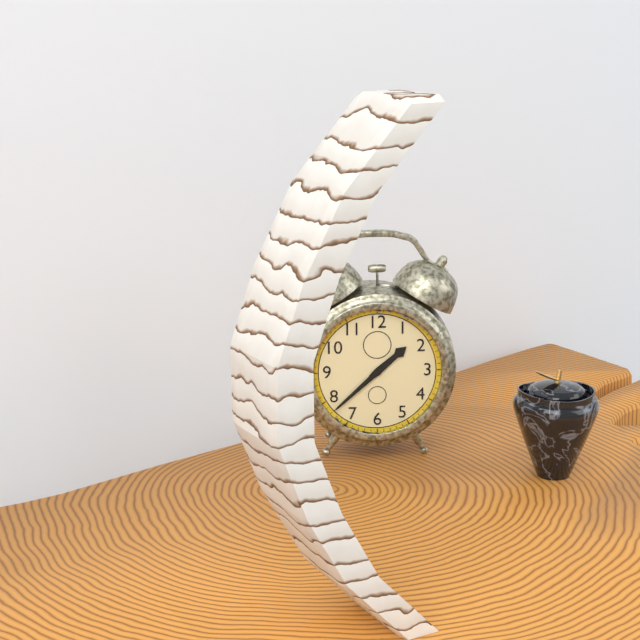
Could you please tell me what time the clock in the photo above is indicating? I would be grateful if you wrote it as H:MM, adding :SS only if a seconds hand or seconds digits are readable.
1:38
